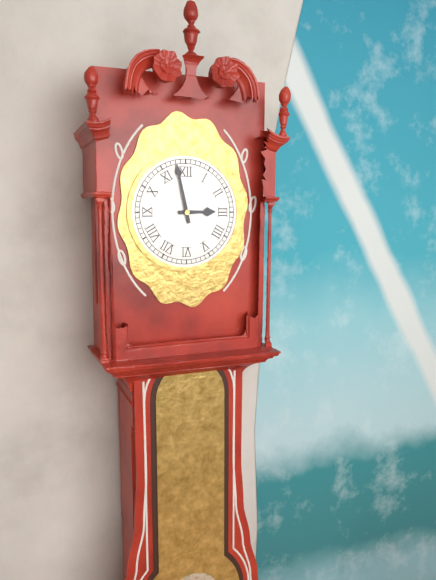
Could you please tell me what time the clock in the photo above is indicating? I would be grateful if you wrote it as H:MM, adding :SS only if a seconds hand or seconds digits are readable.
2:58
